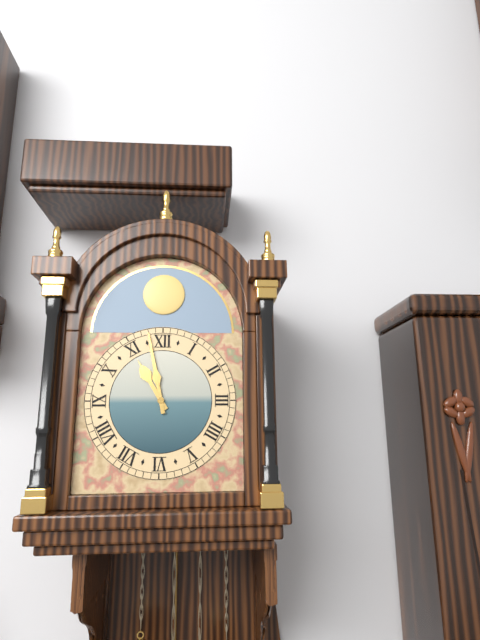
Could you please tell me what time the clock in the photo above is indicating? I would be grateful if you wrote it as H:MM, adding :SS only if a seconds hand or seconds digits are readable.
10:58
